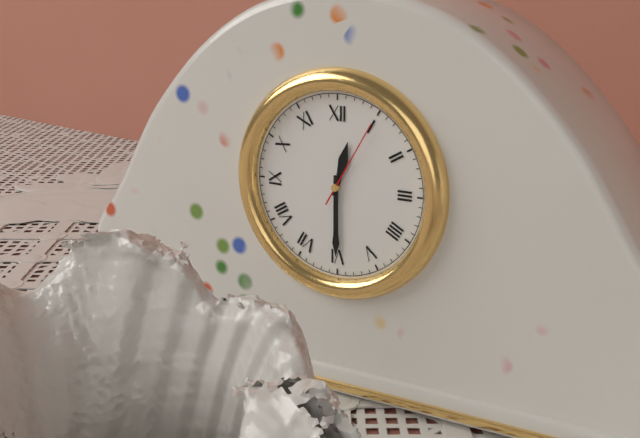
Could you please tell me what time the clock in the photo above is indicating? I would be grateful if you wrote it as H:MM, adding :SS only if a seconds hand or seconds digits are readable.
12:30:05
